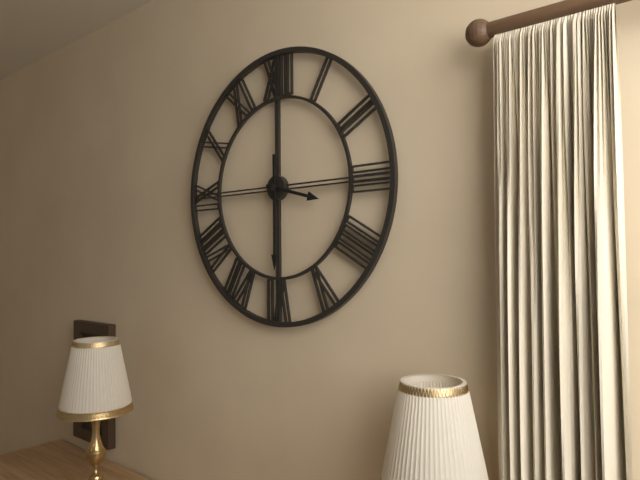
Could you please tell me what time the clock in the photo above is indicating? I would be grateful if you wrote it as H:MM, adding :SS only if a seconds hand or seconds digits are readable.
3:30
